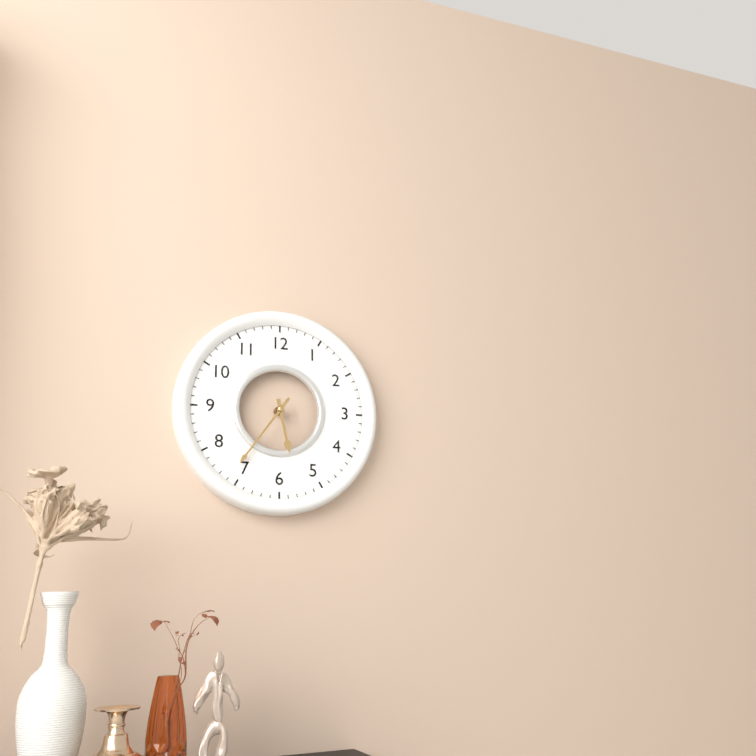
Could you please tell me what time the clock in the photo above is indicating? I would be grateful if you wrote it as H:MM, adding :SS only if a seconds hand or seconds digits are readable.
5:36
